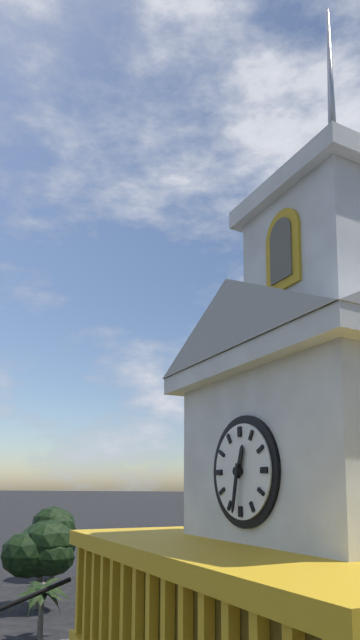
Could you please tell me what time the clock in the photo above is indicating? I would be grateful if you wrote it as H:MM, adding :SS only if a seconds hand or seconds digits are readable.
12:32
